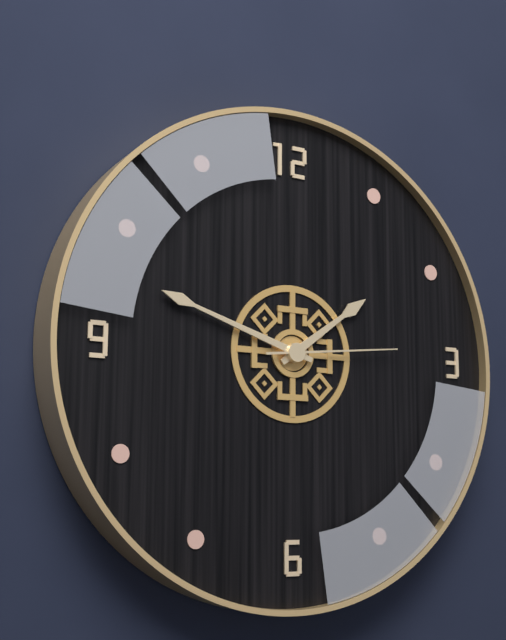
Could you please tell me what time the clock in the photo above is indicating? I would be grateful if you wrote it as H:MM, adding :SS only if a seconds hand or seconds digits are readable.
1:48:14
